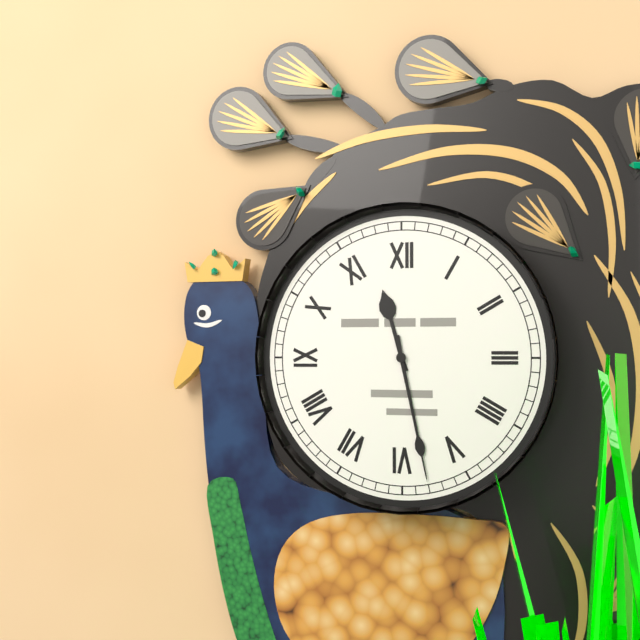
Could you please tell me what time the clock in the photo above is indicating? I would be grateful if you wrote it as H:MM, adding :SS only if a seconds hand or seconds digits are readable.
11:28
